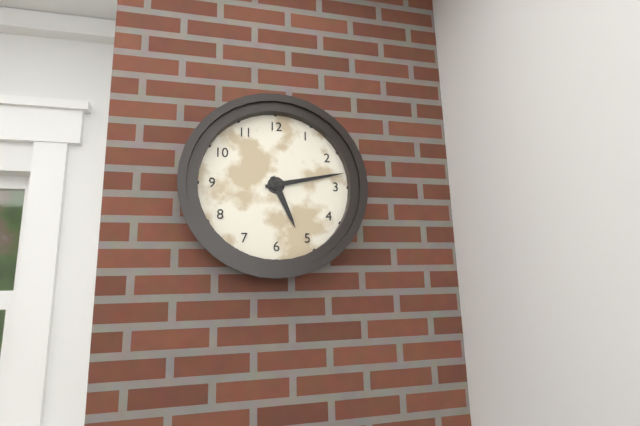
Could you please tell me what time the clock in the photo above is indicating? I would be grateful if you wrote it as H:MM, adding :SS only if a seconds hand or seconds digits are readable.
5:13
